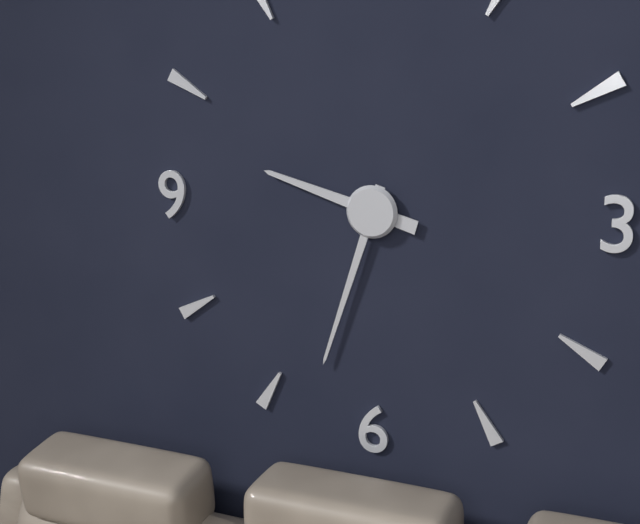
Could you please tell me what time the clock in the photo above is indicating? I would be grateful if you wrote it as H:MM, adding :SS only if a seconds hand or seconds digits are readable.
9:33
